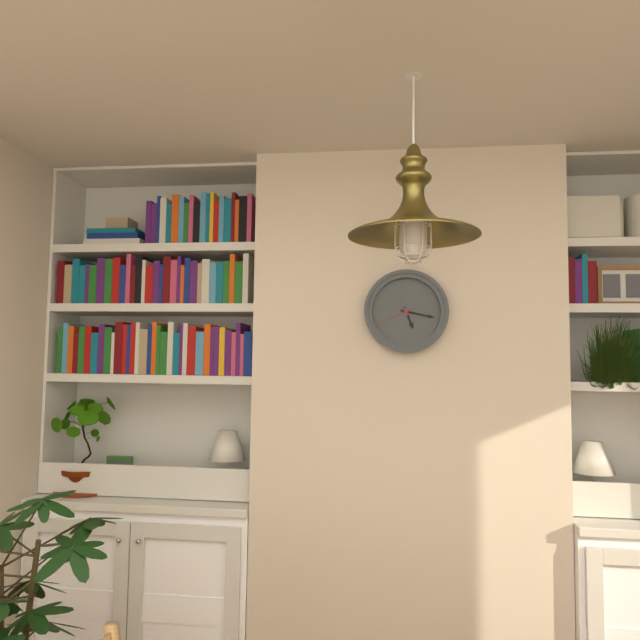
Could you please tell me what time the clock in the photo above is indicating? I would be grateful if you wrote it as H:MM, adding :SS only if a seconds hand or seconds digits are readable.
5:17
